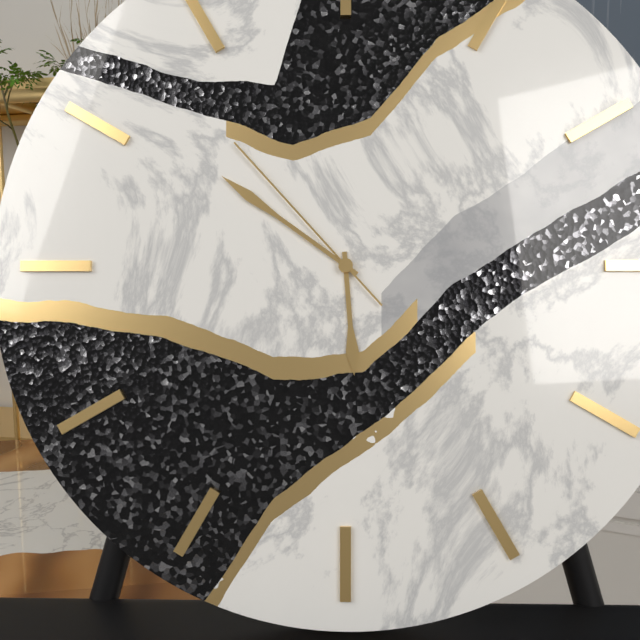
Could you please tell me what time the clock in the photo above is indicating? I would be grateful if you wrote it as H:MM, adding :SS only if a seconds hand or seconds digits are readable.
5:51:53
